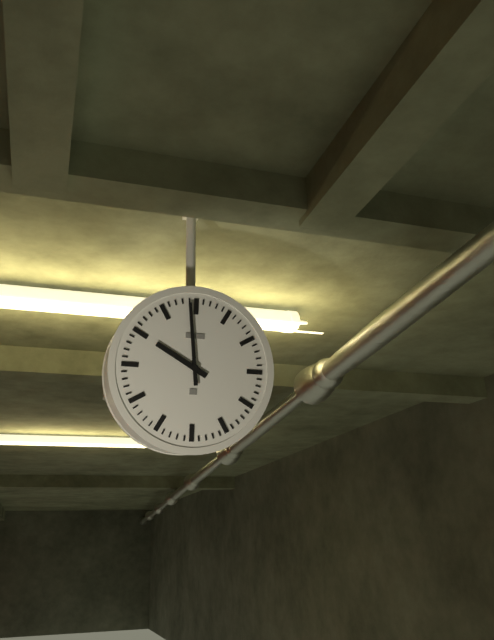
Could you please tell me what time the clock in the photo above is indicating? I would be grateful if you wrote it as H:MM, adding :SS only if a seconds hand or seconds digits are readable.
9:59
